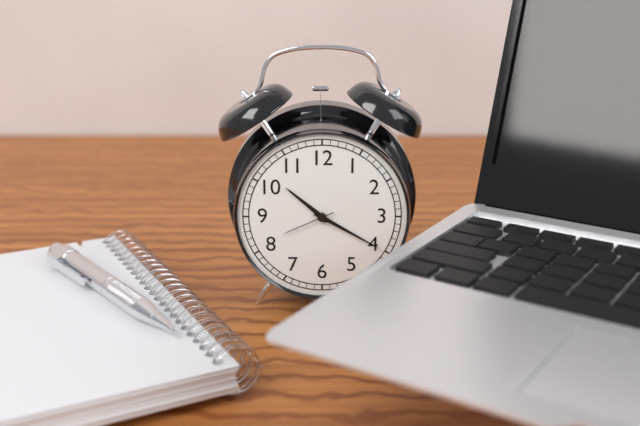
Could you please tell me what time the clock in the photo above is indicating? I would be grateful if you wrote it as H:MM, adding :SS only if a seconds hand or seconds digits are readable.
10:20:41
